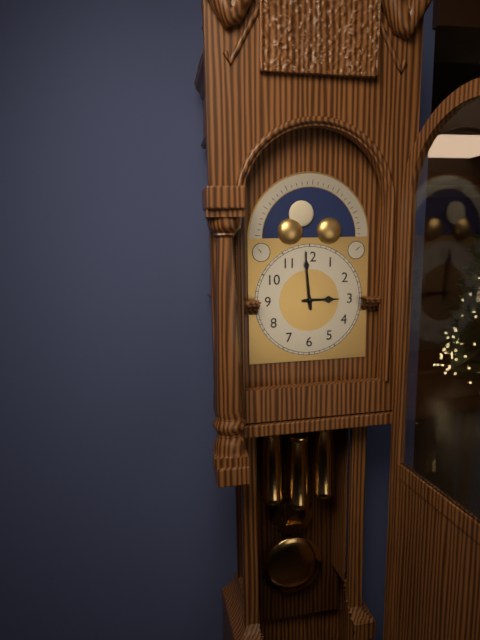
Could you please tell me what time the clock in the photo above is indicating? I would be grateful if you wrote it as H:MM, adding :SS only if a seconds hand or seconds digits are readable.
2:59
